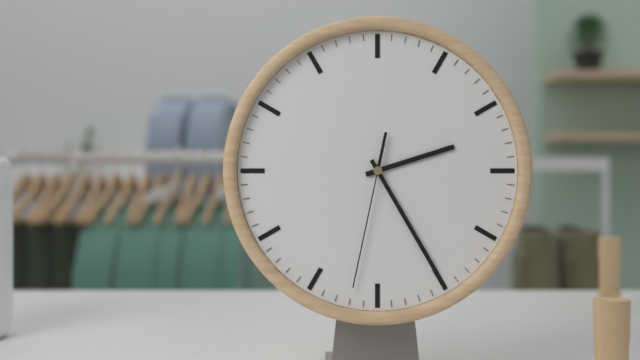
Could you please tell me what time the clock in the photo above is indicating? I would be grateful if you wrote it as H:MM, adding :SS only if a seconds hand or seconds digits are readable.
2:25:32
